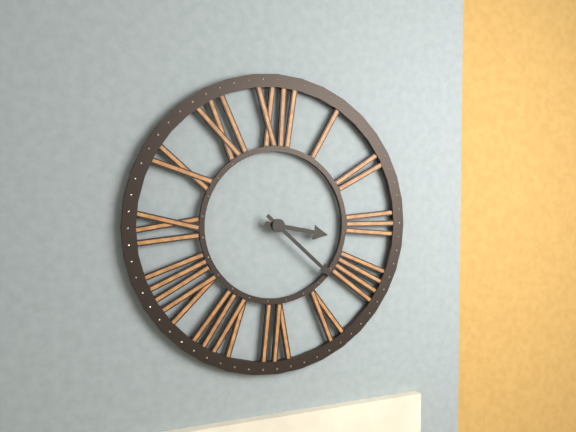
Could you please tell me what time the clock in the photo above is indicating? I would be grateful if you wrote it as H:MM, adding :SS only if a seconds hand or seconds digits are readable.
3:22
